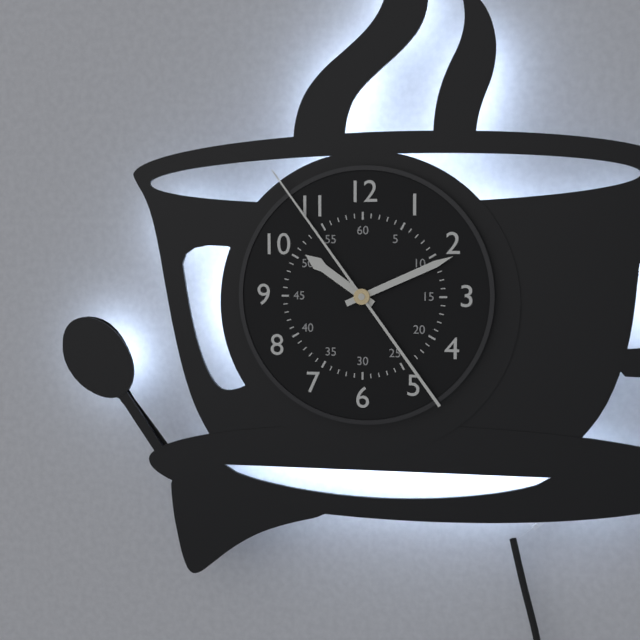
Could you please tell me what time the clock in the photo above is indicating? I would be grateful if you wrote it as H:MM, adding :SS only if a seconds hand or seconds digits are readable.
10:11:54
